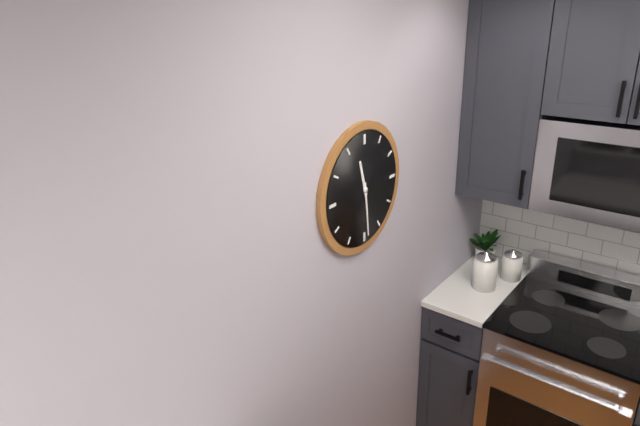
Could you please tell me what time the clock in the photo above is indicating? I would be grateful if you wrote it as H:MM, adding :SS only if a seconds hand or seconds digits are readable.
11:29
